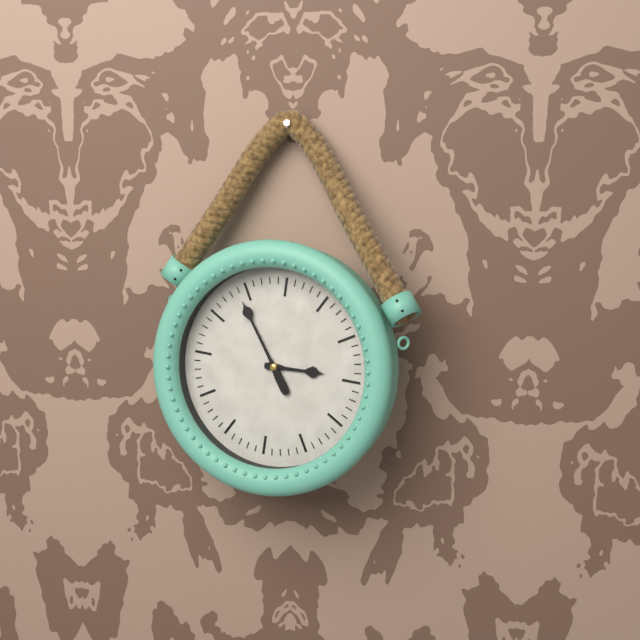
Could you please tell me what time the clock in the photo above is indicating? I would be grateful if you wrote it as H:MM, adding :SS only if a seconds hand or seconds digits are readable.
2:54
